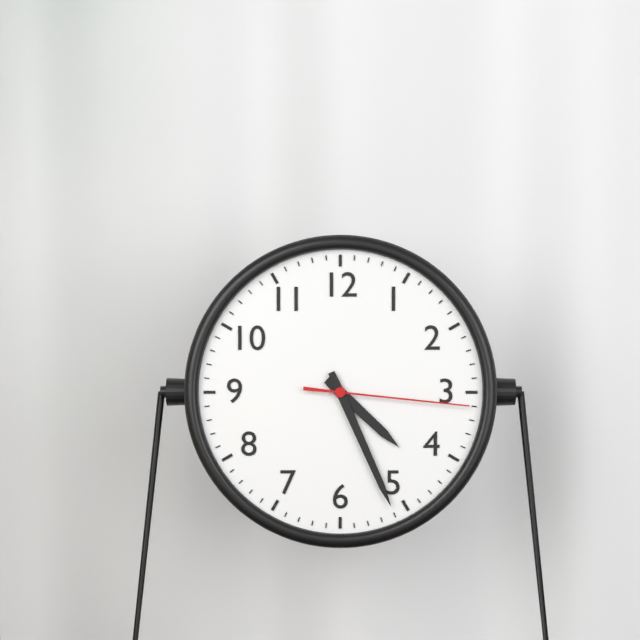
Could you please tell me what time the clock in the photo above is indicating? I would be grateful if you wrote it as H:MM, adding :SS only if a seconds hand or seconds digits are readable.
4:26:16
